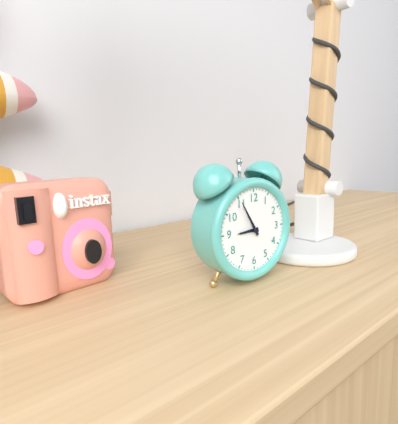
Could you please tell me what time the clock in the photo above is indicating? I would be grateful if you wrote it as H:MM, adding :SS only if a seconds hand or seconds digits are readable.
8:55
